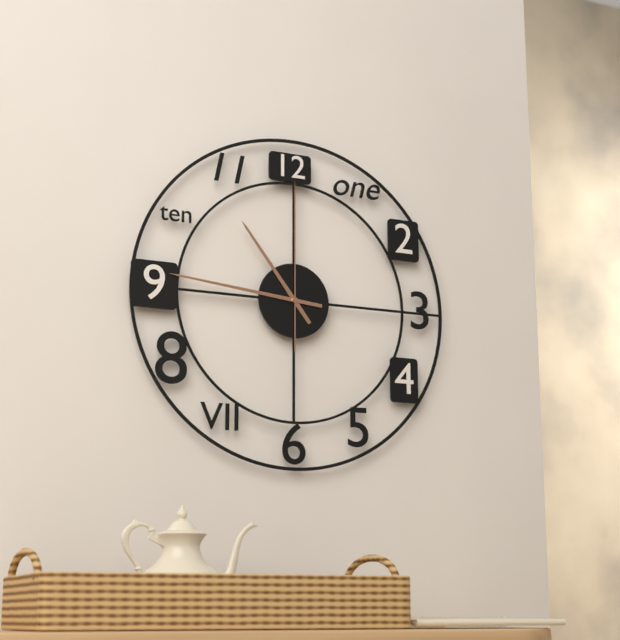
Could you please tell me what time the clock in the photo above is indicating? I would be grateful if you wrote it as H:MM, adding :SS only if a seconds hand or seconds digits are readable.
10:46:00
